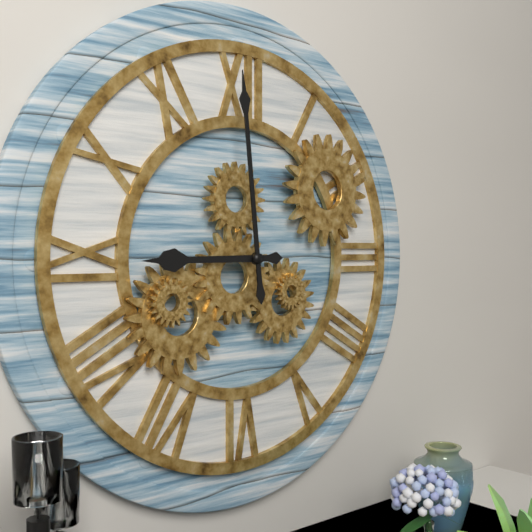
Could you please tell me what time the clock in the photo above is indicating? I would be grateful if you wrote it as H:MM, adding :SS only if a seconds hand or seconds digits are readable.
8:59
